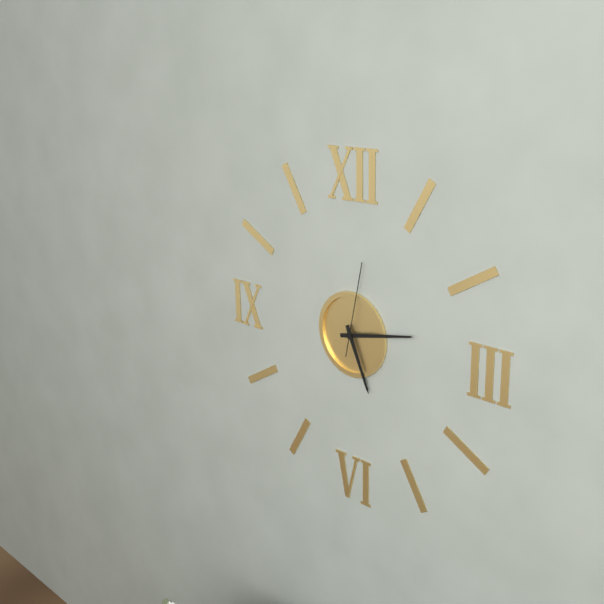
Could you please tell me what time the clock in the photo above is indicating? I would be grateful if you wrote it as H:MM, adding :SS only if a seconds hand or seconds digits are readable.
5:13:02
